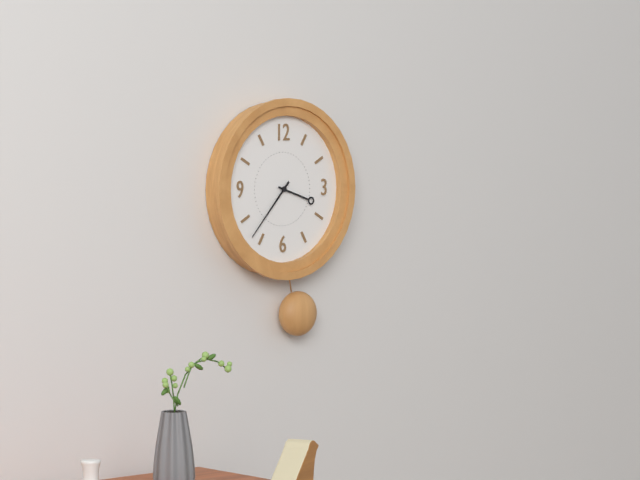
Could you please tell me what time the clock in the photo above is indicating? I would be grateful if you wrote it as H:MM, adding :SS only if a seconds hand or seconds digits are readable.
3:37
